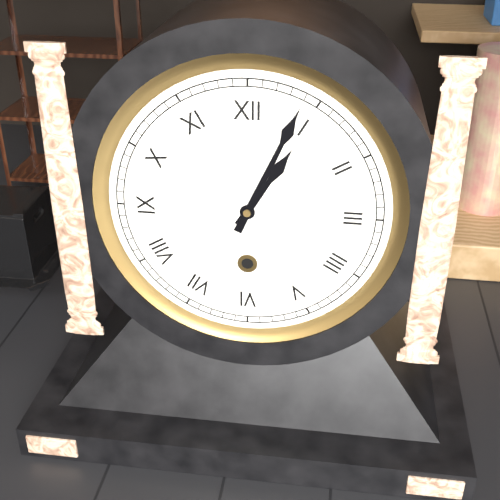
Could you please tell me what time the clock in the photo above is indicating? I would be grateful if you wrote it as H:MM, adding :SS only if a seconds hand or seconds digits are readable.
1:04
